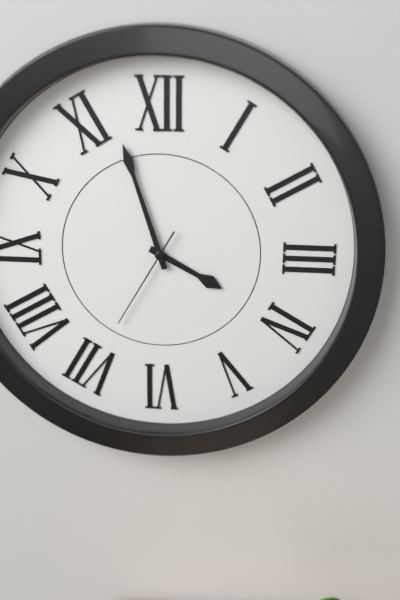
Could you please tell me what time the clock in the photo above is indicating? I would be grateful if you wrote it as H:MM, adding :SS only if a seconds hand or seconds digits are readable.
3:57:35
